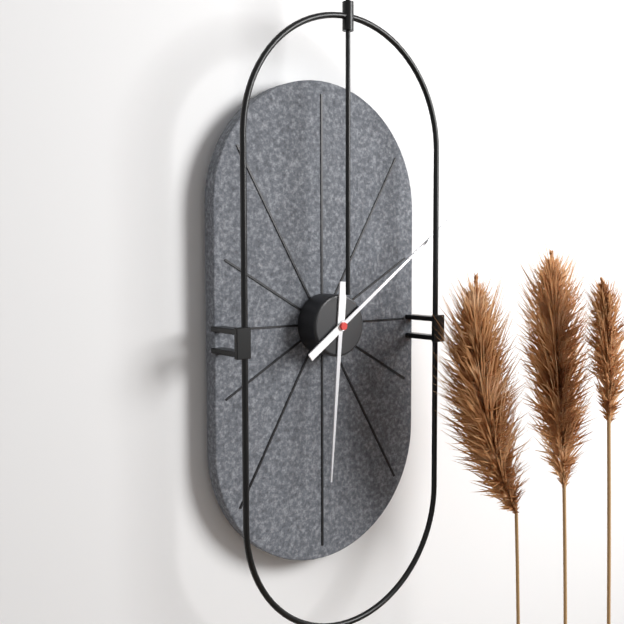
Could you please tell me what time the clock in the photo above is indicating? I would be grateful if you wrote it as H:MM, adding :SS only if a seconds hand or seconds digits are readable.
6:09
